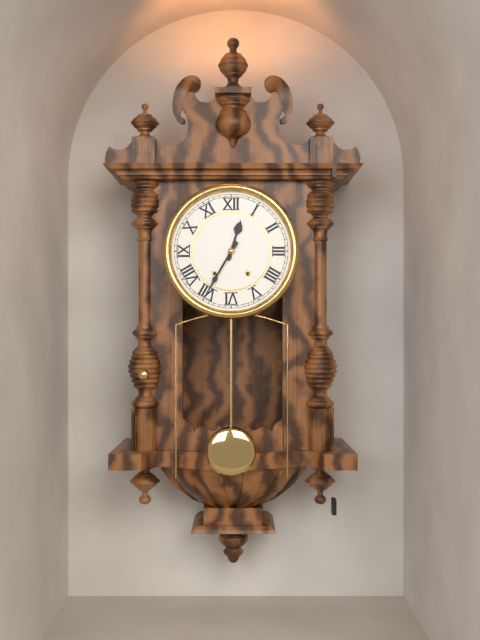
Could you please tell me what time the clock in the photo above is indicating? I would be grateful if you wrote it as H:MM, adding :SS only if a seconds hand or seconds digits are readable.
12:35
